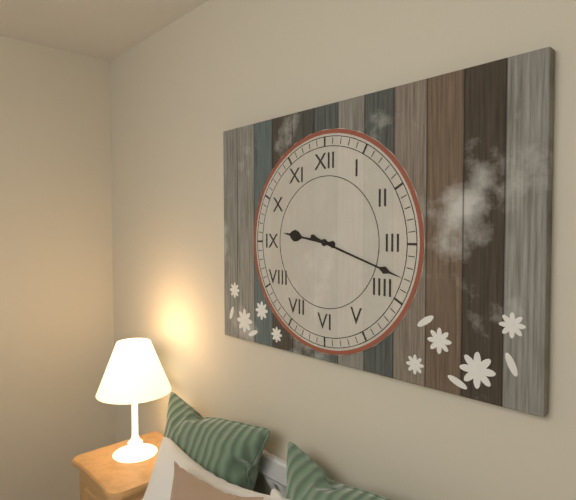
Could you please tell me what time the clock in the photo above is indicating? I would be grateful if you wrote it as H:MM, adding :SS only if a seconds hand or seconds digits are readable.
9:18
